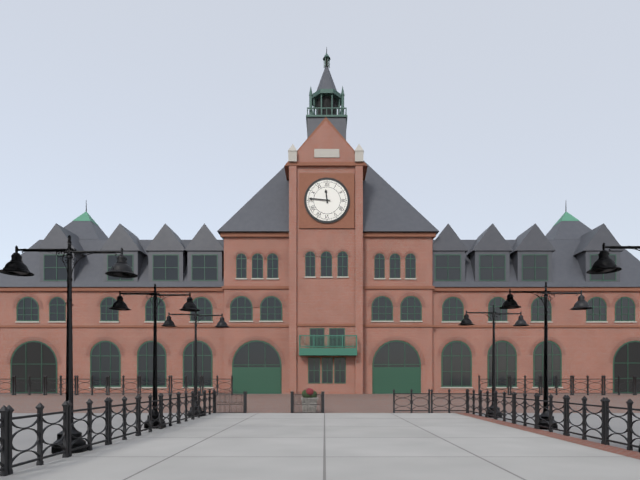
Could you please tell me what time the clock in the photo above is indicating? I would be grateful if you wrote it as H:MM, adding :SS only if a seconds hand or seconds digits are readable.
11:46
